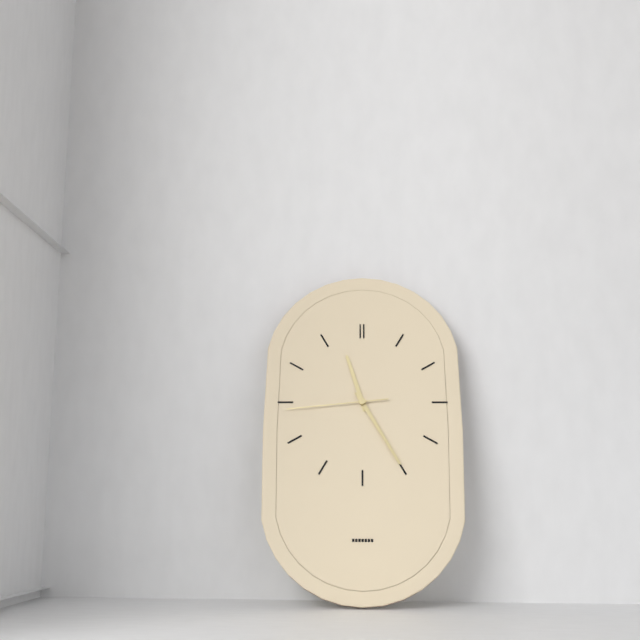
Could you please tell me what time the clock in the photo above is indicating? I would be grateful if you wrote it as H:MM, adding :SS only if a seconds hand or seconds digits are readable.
11:25:44
